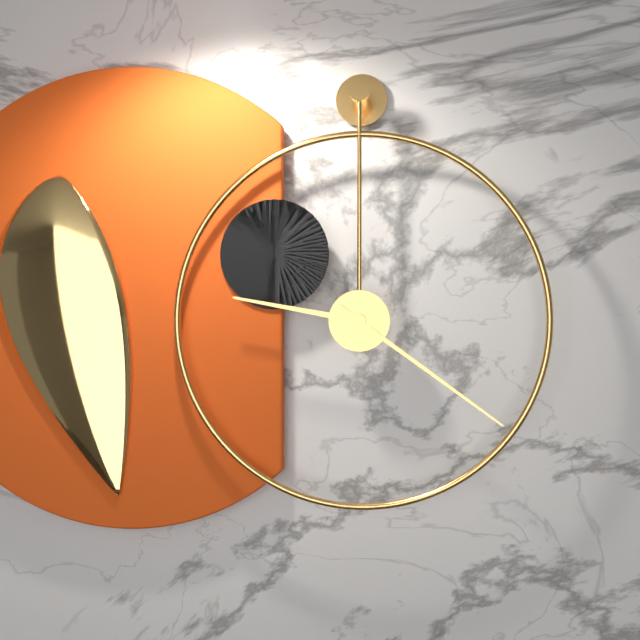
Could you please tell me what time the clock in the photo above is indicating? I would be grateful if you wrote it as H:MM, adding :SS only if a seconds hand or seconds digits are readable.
9:21
